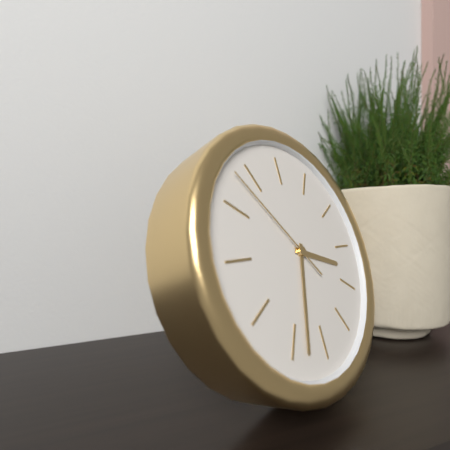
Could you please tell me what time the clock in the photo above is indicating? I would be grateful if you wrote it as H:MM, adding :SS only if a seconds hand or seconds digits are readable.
3:33:53
